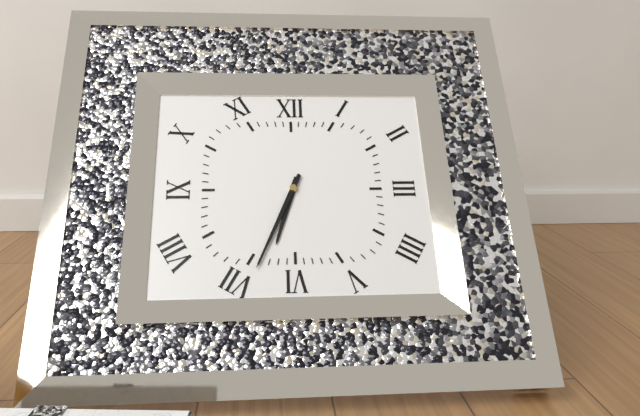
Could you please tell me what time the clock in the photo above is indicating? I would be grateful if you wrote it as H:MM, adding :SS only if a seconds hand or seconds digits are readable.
6:34
